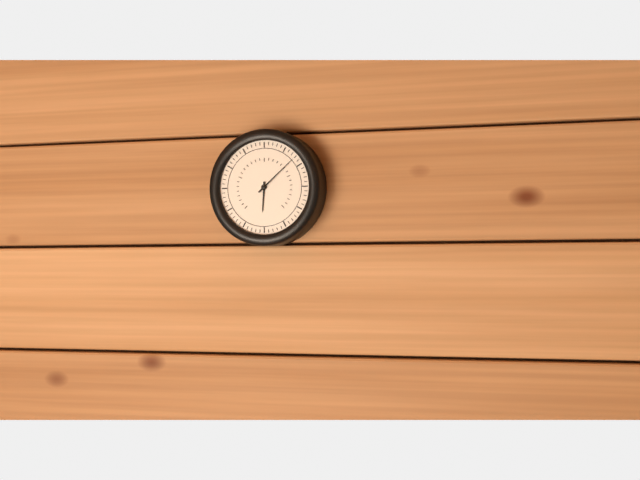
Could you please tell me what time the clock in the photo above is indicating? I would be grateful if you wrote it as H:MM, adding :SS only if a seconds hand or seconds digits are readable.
6:08
